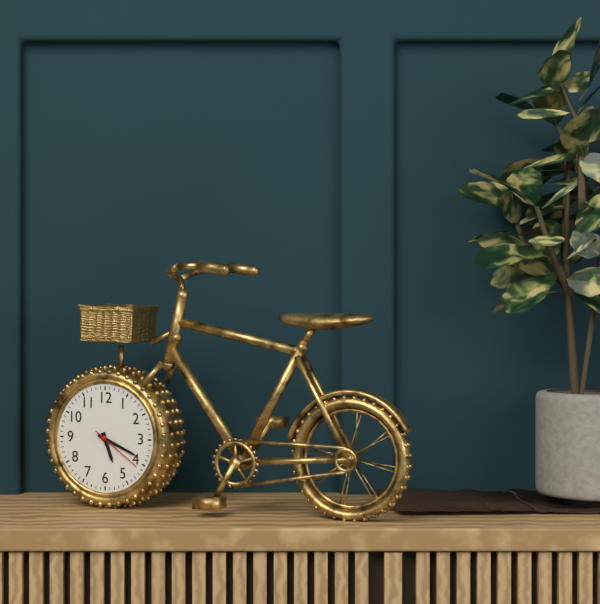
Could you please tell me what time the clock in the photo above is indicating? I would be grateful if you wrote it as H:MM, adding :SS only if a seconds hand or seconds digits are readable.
5:19:21
